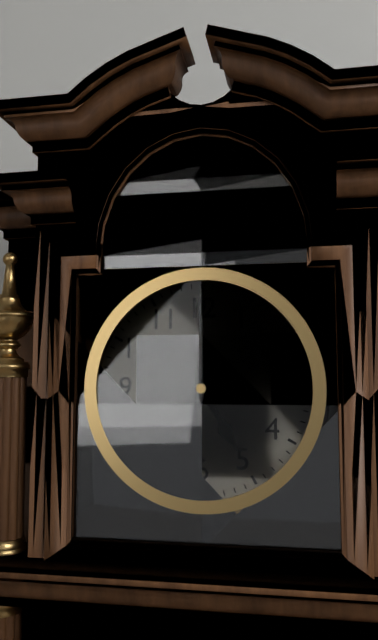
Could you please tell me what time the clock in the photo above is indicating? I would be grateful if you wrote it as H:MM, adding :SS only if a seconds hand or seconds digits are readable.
5:00
